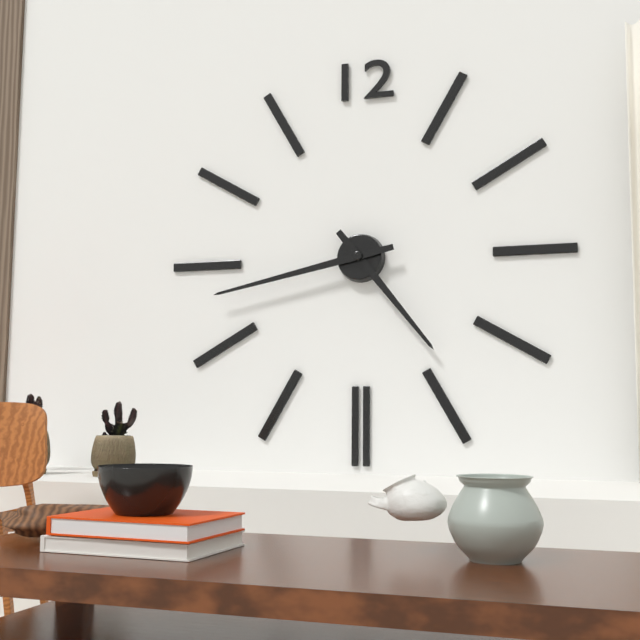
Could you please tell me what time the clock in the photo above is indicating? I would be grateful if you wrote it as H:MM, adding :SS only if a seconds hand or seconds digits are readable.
4:43
